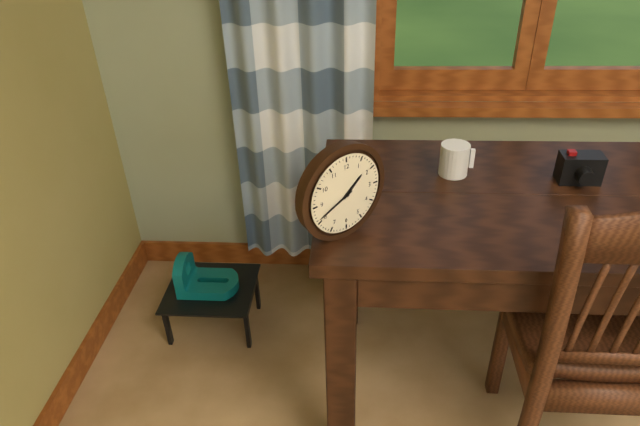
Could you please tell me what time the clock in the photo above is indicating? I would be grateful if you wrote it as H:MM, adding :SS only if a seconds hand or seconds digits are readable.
1:41
